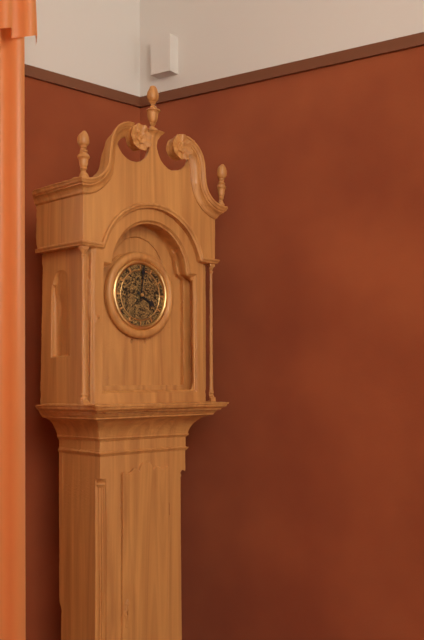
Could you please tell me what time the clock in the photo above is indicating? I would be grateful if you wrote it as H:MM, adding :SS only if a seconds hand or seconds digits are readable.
4:01
